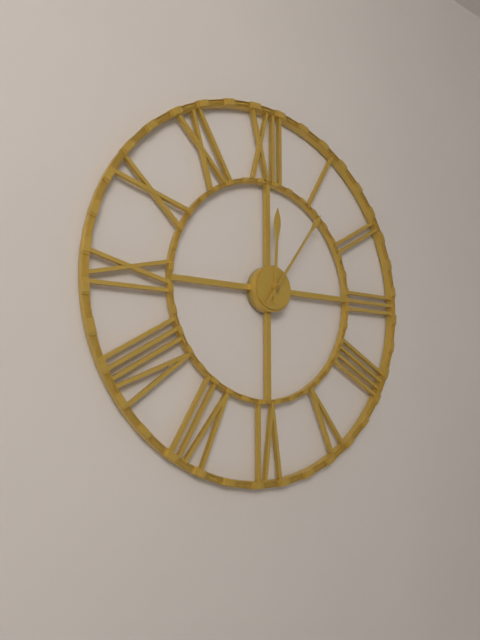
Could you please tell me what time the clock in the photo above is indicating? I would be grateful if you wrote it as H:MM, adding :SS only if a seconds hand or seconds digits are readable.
12:06
